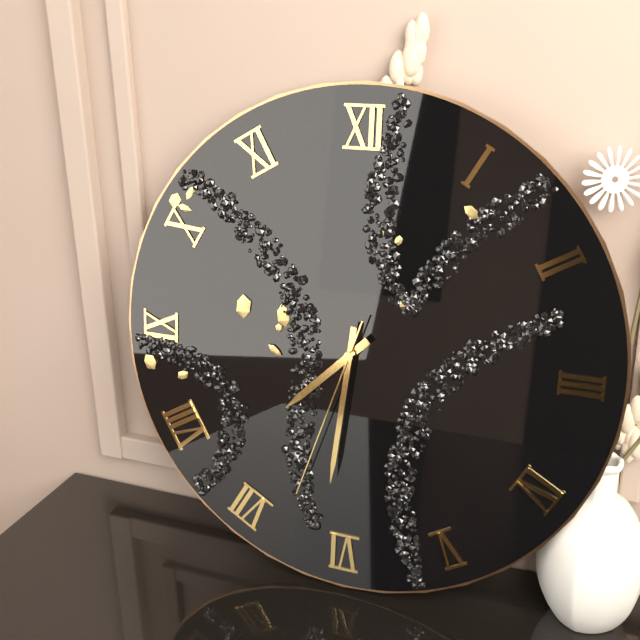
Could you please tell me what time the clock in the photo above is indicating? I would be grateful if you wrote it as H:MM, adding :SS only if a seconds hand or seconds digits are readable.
7:31:33
